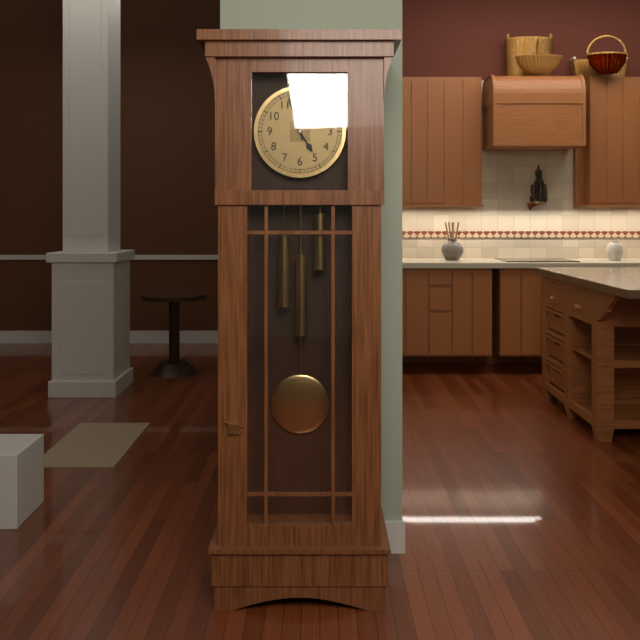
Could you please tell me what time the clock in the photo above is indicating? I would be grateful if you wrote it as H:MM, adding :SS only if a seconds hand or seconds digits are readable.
4:57
